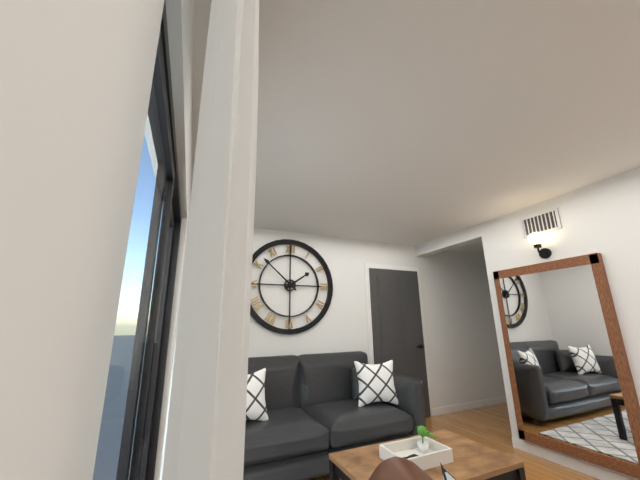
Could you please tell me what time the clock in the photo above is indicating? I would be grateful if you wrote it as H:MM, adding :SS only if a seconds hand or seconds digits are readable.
1:52
